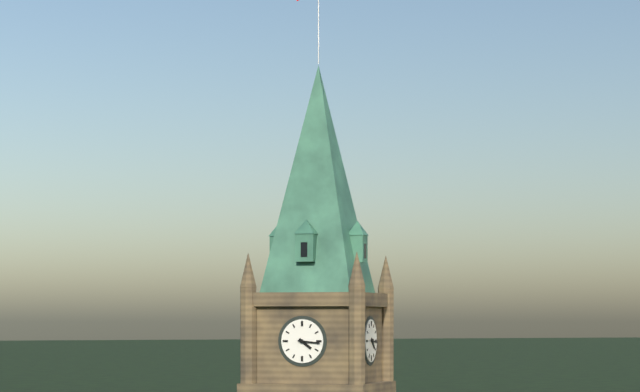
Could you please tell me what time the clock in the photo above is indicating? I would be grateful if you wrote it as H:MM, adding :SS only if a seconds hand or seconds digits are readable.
4:16
